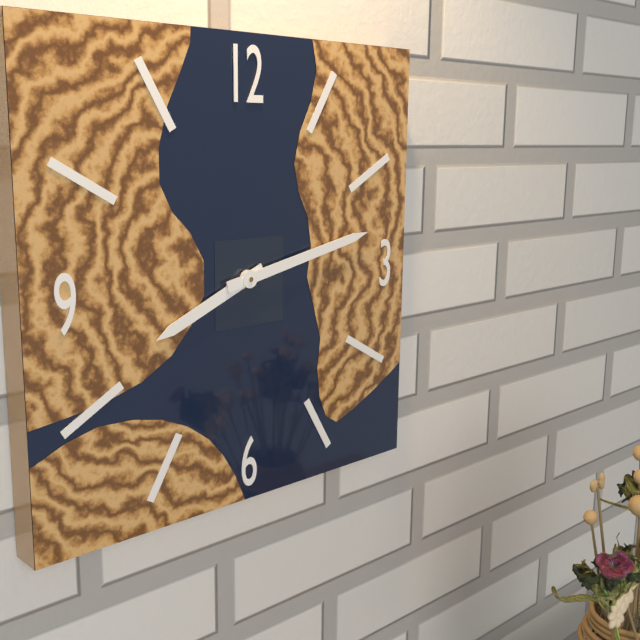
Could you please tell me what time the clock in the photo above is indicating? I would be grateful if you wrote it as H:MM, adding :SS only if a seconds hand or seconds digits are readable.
8:13
